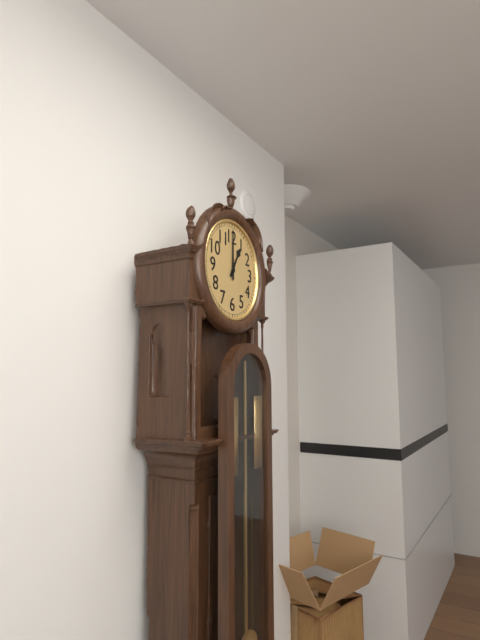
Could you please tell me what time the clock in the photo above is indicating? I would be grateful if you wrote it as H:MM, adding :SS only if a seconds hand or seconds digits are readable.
1:00
